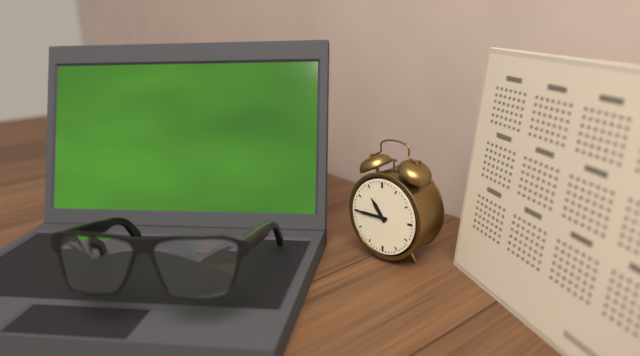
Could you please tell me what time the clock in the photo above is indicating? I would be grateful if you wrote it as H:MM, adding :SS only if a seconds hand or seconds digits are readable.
10:45
